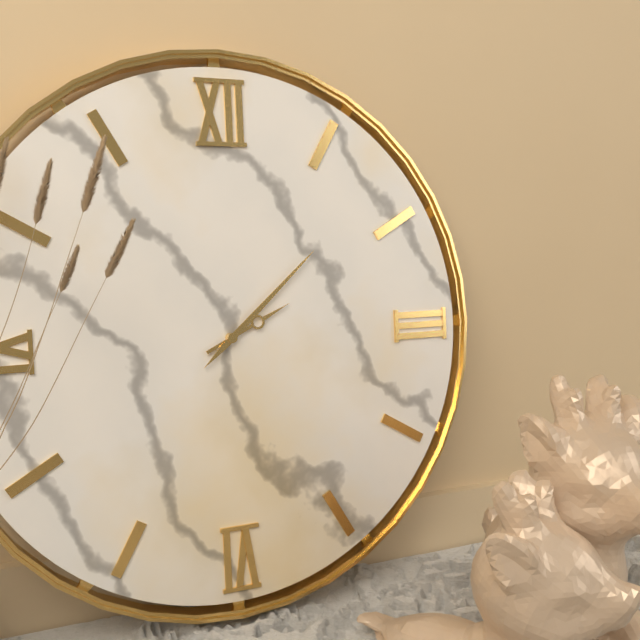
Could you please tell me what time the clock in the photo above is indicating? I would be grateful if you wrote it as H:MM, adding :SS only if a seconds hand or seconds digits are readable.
2:08
